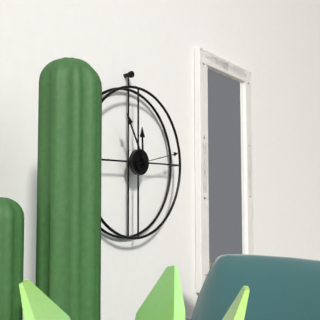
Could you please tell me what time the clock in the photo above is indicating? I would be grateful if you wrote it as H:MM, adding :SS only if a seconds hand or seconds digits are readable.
11:55
